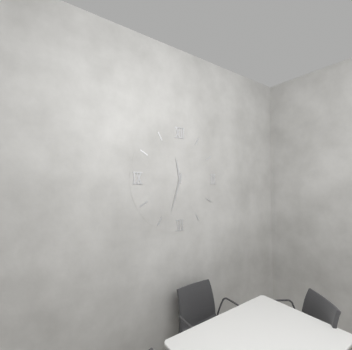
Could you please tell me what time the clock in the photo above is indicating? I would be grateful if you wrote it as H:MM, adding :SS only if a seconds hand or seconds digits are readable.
11:33
